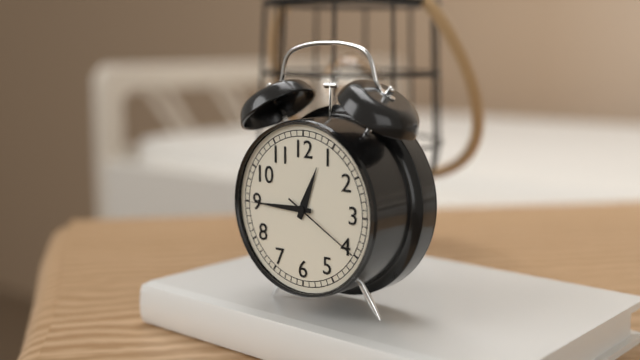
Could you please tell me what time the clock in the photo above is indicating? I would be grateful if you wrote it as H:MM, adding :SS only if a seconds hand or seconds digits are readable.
12:45:20
